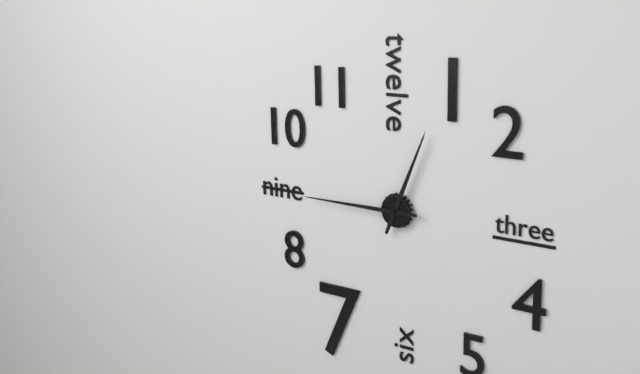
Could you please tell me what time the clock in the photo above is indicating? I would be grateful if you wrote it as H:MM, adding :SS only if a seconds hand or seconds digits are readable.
12:45
